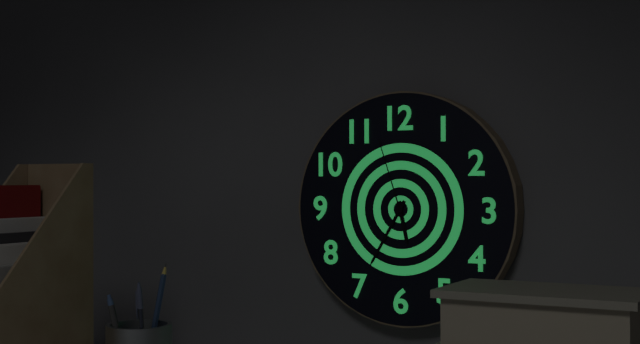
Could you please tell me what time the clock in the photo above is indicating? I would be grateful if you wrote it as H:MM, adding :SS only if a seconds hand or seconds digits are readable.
5:35:57
